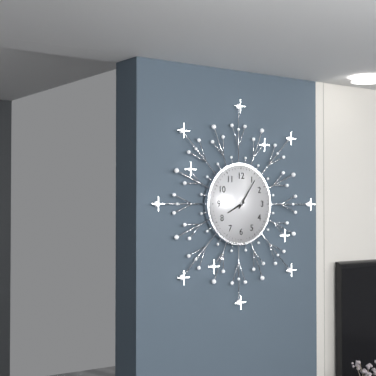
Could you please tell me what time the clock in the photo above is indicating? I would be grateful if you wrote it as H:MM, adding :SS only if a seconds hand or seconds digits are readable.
8:06
